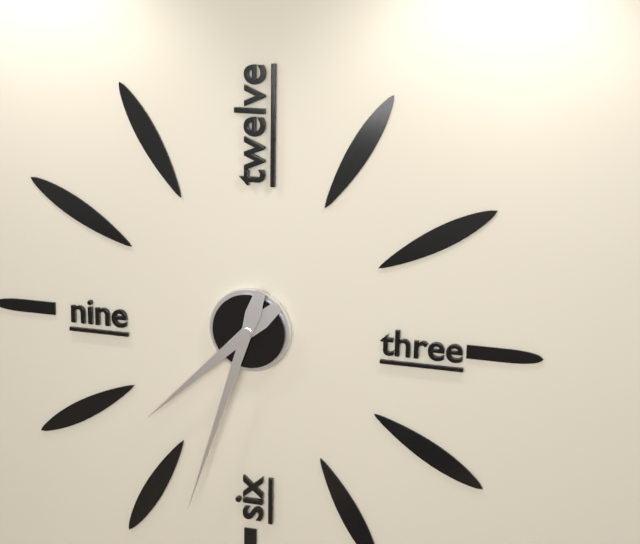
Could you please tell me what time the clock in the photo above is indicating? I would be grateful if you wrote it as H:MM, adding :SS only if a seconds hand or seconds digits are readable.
7:33
